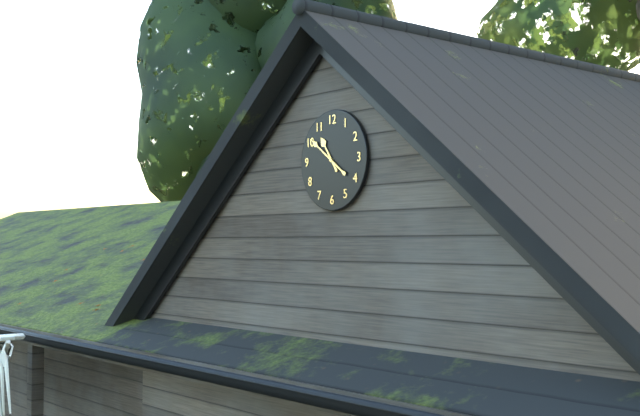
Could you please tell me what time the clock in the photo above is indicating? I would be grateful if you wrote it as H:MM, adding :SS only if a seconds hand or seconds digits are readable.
10:51
